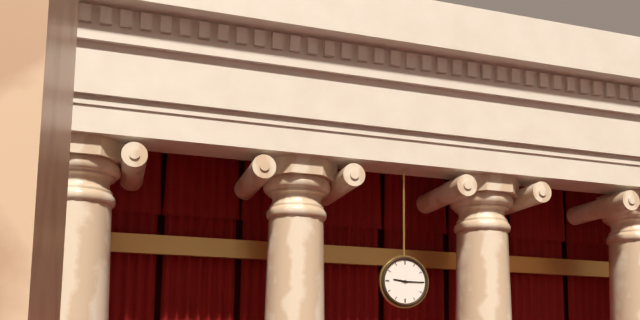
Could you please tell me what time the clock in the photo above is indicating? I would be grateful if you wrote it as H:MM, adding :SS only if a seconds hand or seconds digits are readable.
9:15
